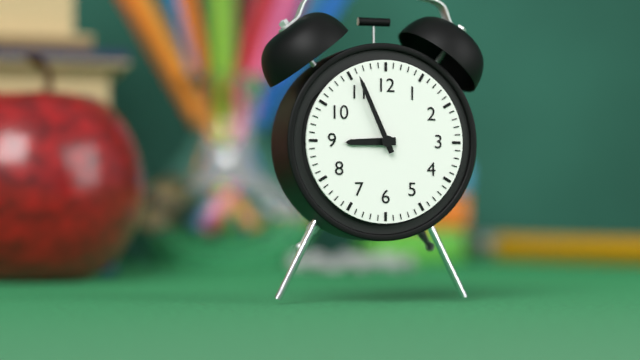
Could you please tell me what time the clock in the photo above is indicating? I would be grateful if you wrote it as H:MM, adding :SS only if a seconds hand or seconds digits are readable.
8:56
